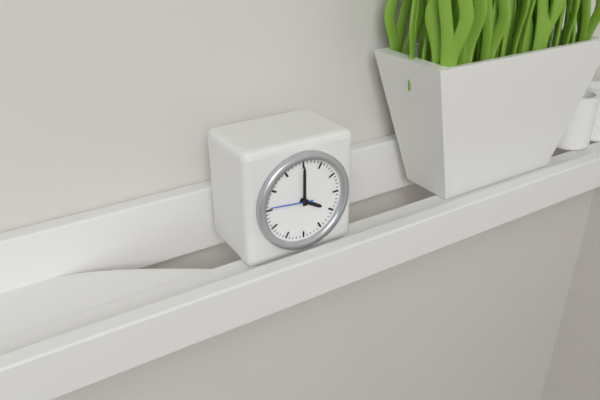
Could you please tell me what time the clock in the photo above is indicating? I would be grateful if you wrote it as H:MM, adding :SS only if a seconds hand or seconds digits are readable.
4:00
